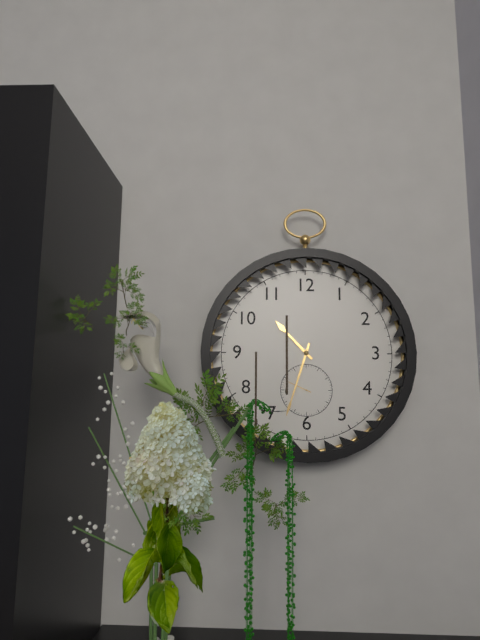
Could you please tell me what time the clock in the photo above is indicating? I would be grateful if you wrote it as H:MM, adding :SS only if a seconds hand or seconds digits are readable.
10:33
